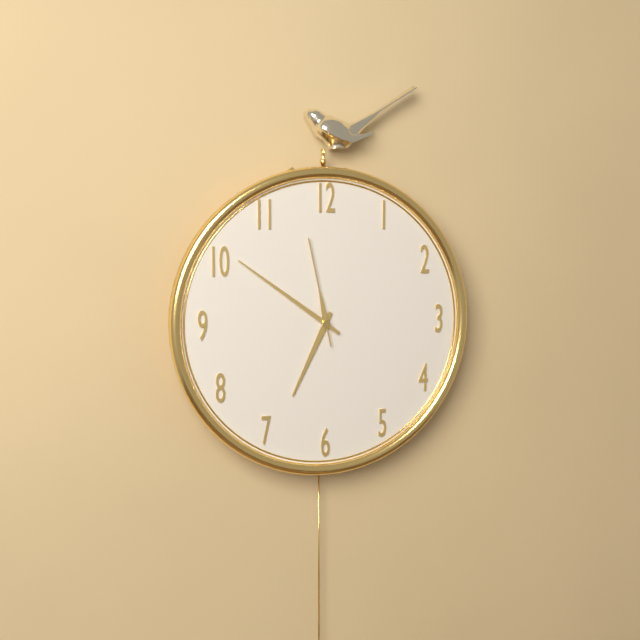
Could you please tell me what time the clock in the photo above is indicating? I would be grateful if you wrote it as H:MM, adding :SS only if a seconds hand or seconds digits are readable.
6:51:58
